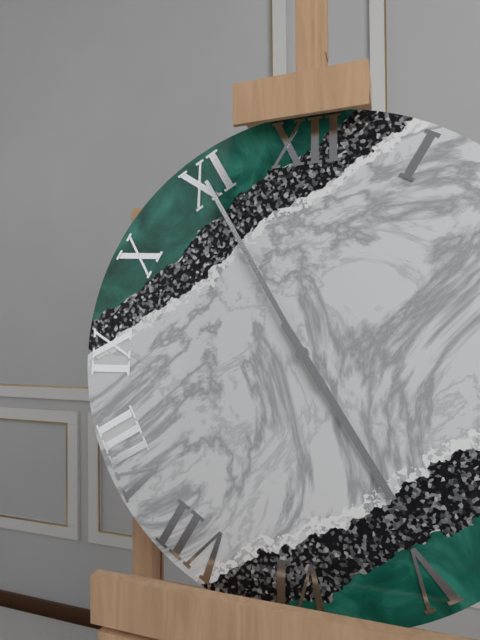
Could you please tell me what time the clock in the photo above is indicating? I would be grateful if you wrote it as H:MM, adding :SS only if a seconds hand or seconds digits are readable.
4:55
